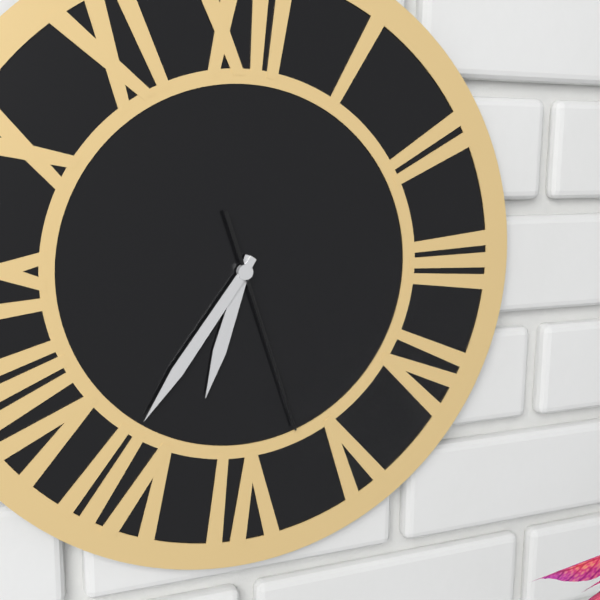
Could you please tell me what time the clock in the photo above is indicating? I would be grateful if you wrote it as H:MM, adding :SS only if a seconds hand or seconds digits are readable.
6:36:27
